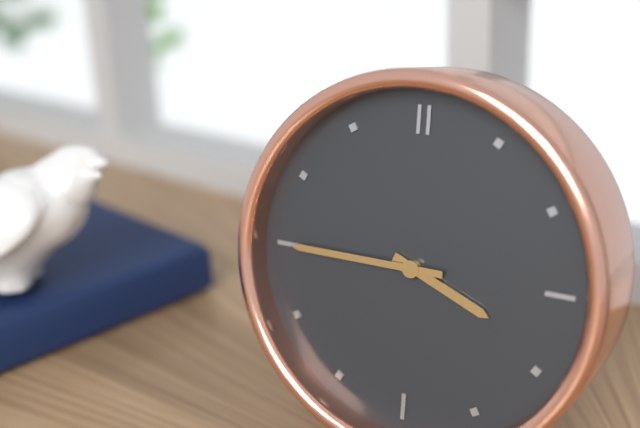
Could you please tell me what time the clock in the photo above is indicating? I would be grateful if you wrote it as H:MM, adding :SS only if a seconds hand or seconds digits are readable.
3:45
